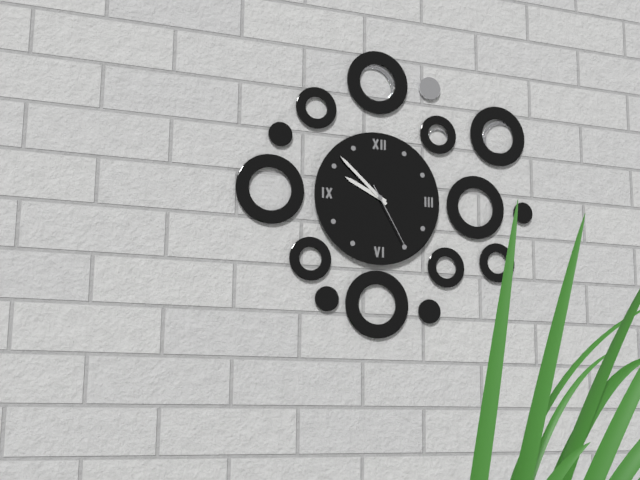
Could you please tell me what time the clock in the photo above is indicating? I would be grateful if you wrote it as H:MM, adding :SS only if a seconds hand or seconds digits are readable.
9:52:25
